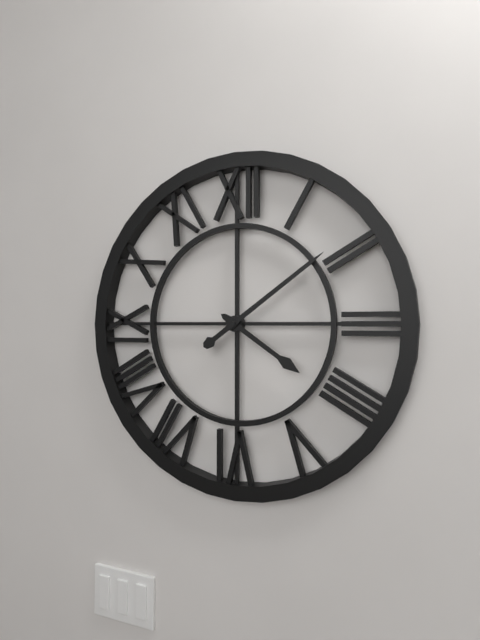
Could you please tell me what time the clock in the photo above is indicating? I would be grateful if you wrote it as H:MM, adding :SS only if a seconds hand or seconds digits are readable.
4:09
